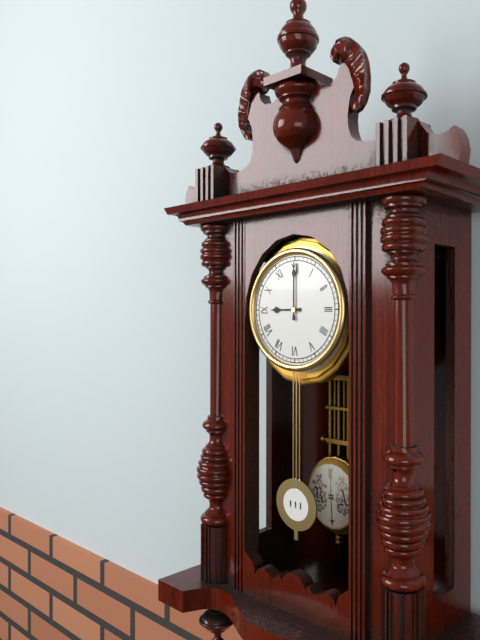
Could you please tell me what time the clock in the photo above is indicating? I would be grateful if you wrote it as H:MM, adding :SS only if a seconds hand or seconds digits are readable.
9:00
